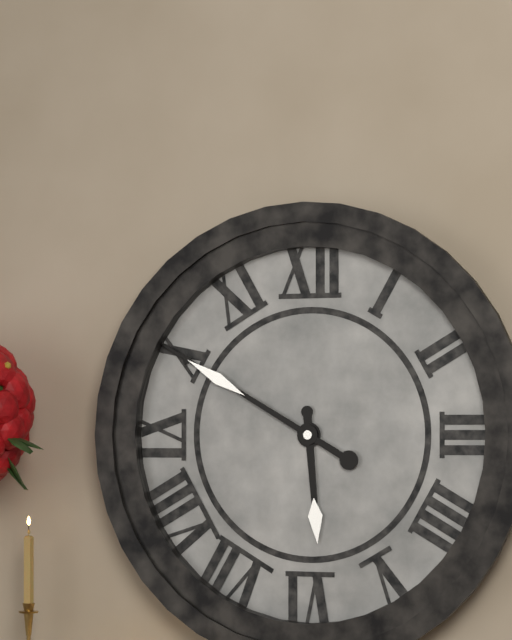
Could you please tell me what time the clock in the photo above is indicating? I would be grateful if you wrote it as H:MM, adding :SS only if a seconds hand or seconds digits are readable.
5:50
